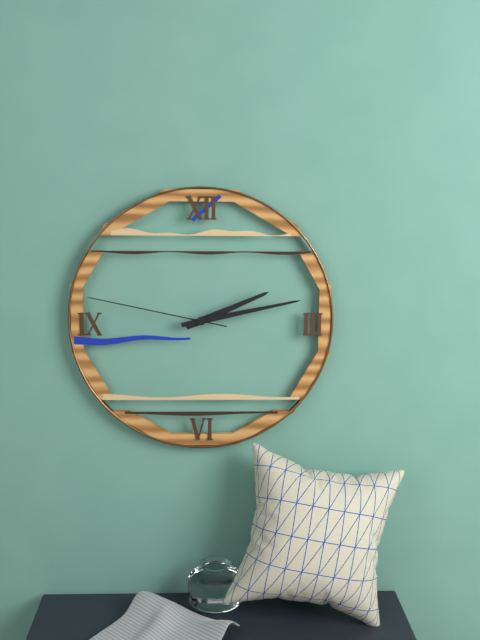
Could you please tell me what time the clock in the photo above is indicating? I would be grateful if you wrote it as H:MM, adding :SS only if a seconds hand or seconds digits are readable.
2:13:47
